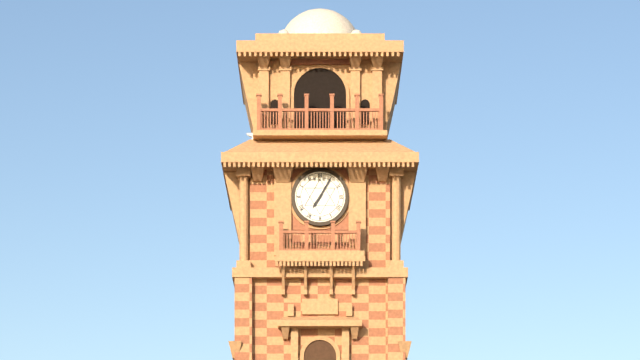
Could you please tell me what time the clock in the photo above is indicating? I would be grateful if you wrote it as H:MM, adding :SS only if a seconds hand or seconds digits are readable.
7:05
